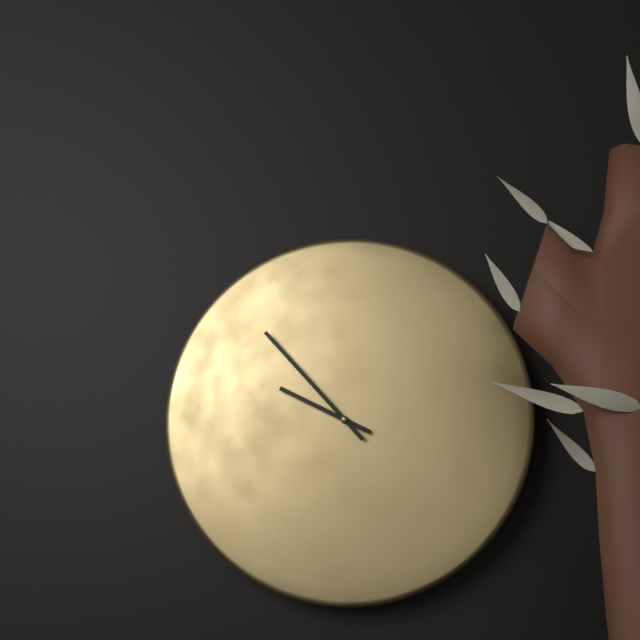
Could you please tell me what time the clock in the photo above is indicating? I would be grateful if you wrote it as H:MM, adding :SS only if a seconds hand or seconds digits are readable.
9:53
